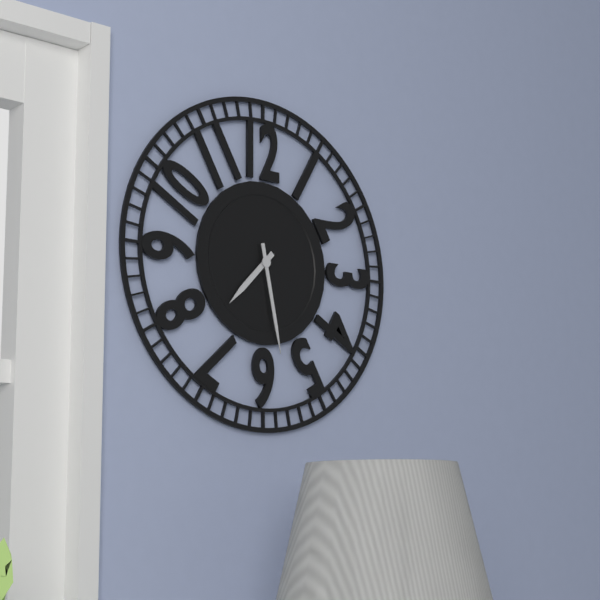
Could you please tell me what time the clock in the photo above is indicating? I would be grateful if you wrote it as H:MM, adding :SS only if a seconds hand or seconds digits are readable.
7:28
